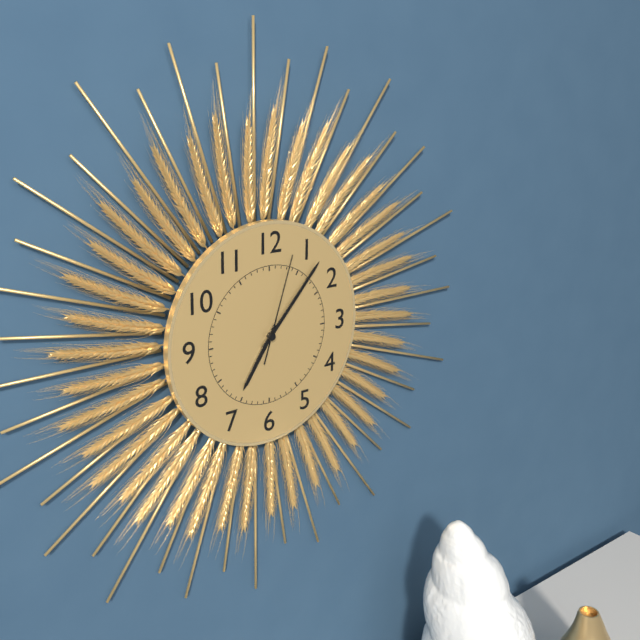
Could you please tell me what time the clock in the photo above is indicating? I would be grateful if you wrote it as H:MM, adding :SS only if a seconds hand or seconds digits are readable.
7:07:03
